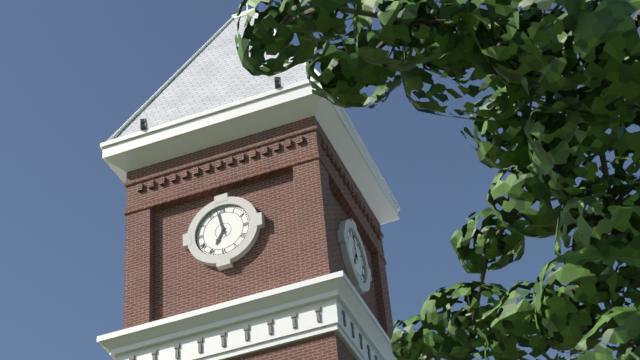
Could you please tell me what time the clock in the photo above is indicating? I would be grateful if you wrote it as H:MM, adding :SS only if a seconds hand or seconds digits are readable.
6:58
